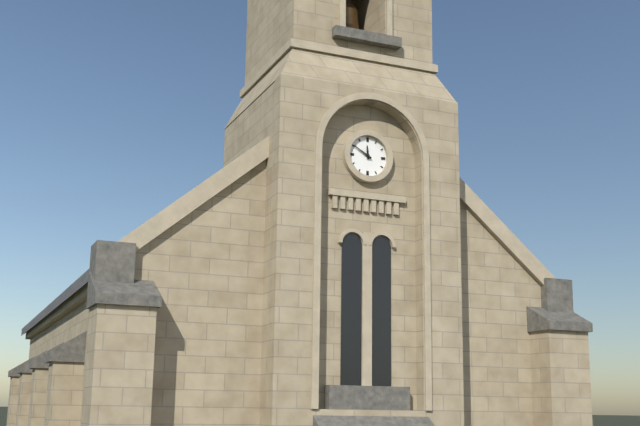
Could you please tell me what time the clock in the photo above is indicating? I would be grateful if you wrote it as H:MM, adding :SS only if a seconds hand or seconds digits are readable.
11:50
